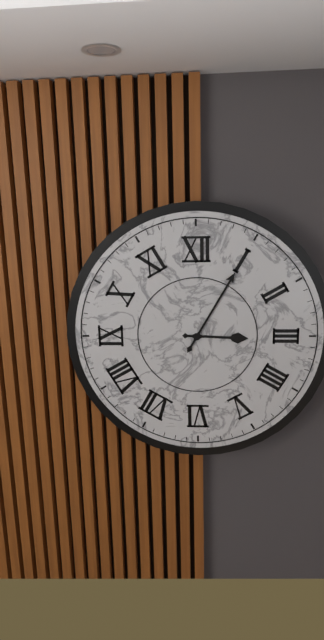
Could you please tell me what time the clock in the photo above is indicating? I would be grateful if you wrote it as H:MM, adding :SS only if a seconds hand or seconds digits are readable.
3:05
